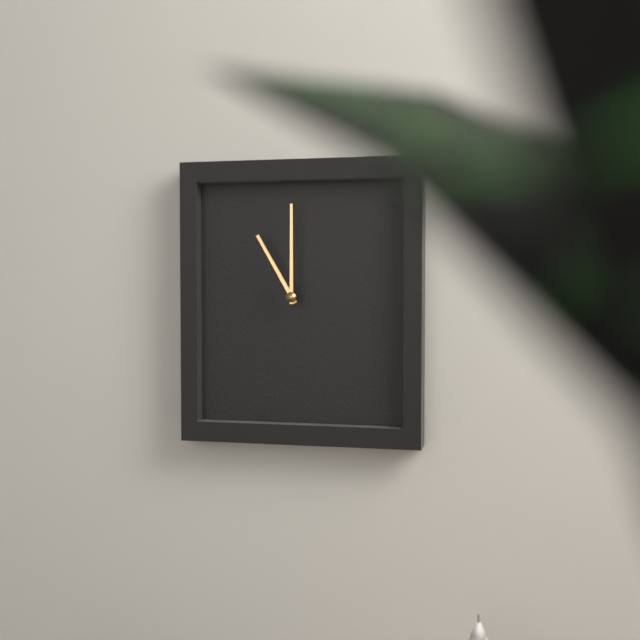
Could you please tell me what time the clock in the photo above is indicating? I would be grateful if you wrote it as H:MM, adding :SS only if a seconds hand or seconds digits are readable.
11:00
